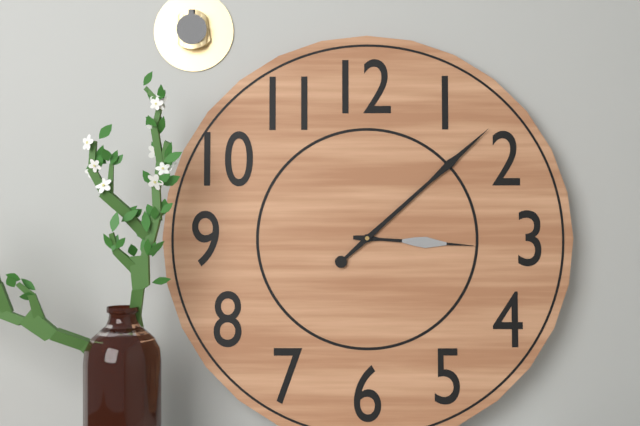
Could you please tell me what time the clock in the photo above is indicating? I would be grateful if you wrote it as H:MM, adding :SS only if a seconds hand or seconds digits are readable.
3:08
